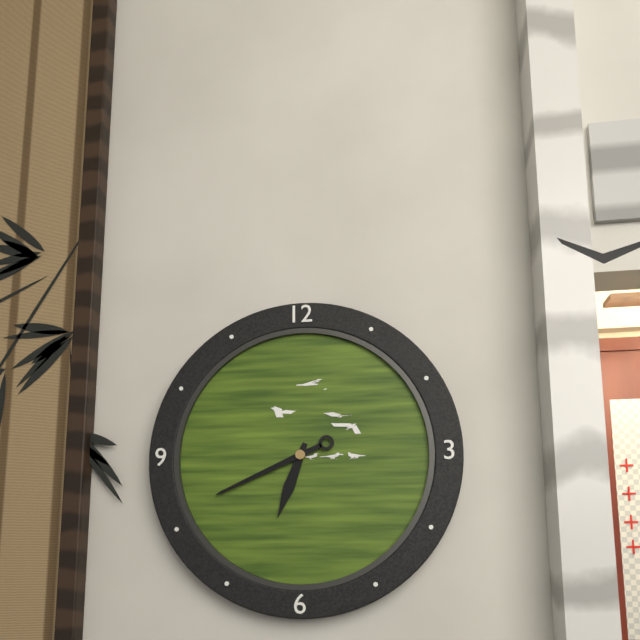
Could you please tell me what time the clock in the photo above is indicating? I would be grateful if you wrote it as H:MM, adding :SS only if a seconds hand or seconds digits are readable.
6:41
